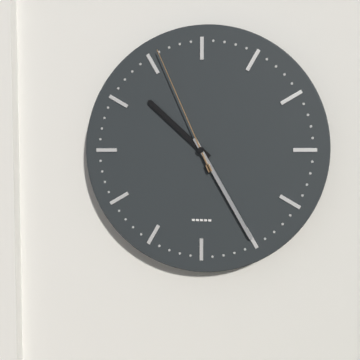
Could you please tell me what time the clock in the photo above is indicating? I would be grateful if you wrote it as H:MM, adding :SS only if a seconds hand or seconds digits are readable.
10:25:56
